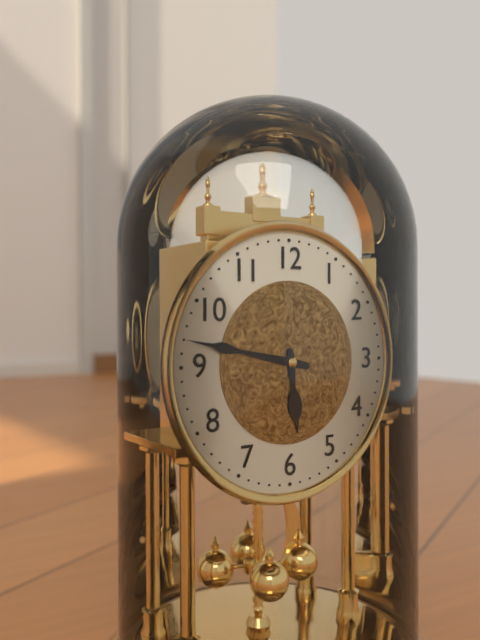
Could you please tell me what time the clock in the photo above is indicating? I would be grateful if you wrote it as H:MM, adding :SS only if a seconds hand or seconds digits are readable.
5:47
